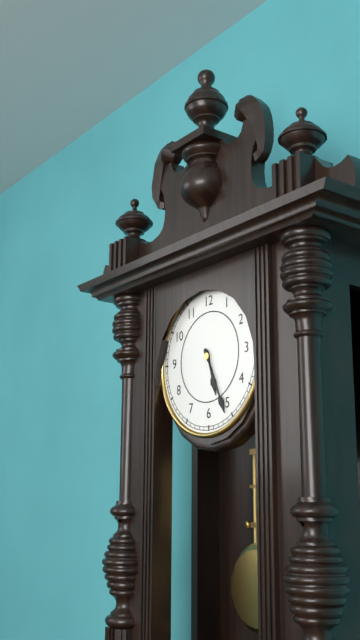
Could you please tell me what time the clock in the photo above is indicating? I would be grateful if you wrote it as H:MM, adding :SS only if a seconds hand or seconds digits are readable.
5:26
